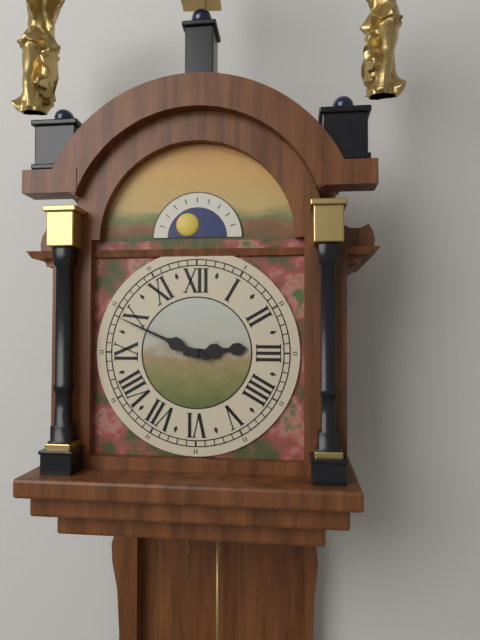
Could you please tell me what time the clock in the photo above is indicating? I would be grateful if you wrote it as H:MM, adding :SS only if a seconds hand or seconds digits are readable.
2:49
